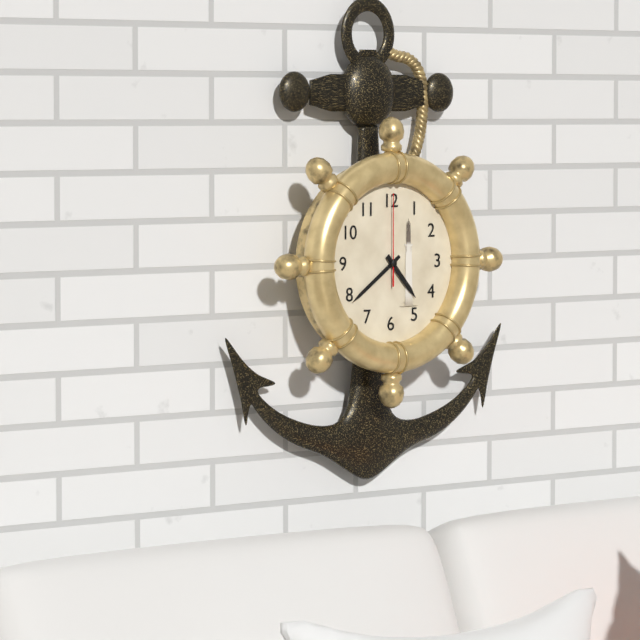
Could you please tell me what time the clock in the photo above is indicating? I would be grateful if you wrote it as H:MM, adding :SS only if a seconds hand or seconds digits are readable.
4:39:00
